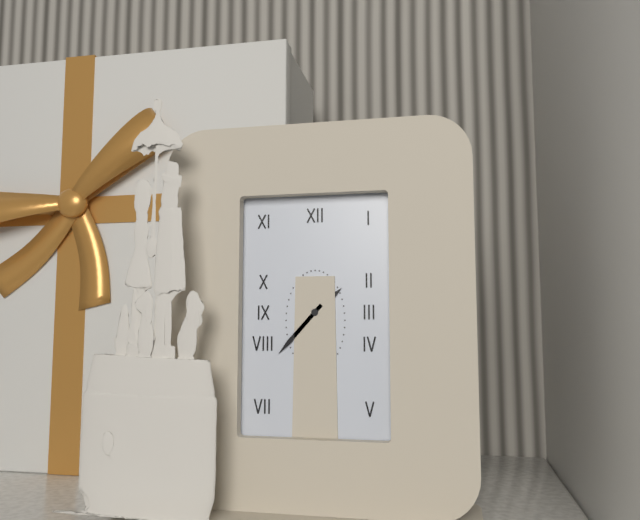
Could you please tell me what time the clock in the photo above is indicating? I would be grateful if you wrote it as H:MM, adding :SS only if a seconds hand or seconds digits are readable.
1:37
